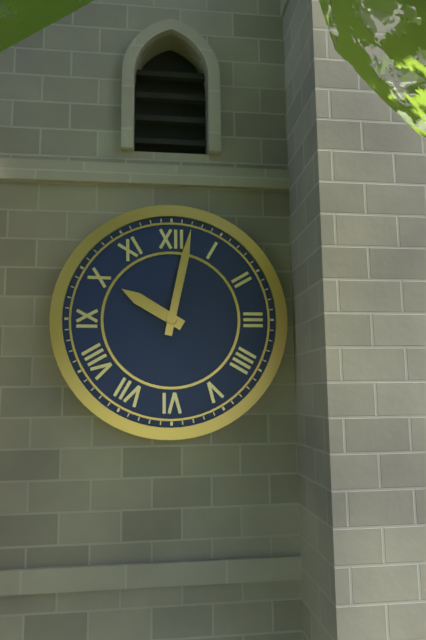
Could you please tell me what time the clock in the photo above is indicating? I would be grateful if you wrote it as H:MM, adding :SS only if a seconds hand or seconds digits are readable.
10:02
